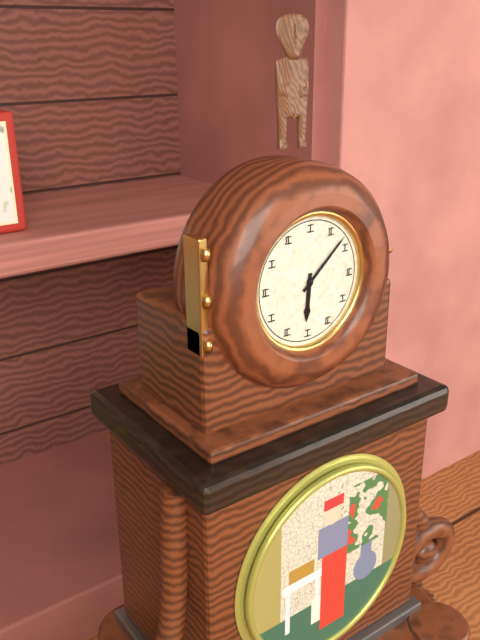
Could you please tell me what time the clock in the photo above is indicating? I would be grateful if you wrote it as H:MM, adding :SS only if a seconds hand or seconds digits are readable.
6:08
